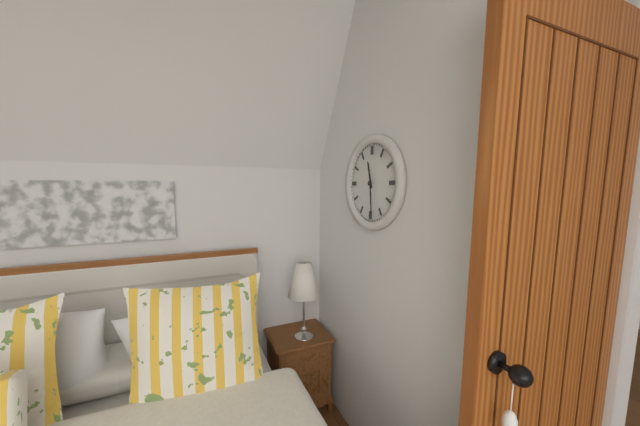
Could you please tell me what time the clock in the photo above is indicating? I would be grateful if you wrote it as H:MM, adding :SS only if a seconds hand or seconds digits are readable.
11:29
